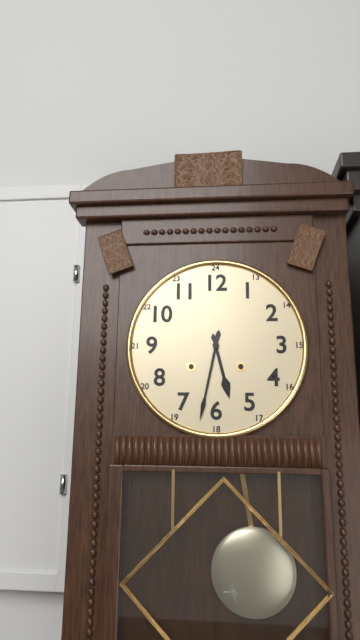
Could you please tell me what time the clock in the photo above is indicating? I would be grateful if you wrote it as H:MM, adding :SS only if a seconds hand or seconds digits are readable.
5:32
